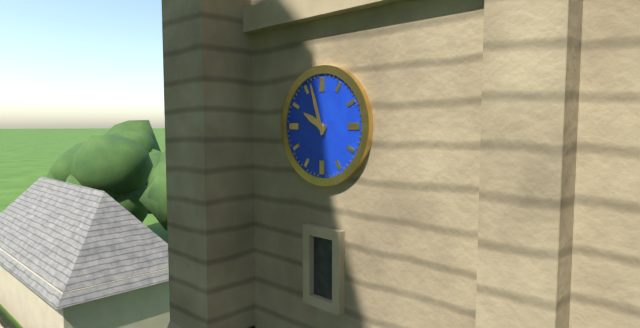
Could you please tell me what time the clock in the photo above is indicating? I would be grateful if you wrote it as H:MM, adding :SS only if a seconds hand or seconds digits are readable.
9:57
